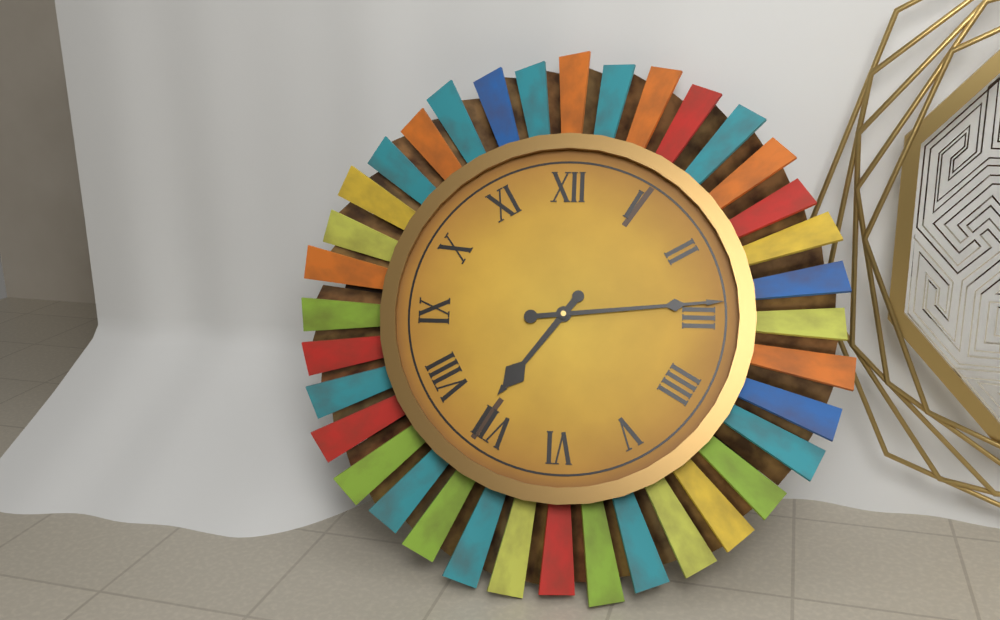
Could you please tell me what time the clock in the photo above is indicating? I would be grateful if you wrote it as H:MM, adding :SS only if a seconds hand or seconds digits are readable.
7:14
